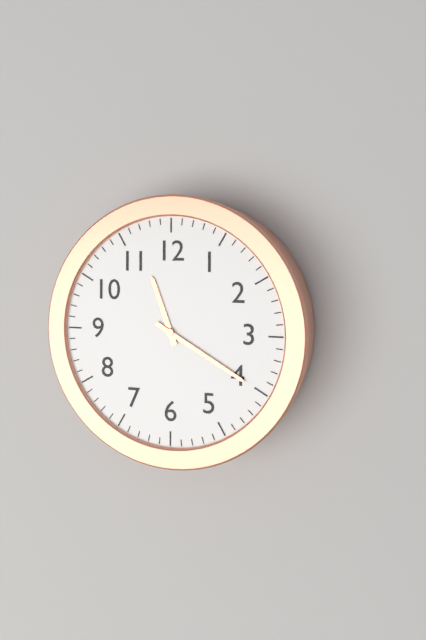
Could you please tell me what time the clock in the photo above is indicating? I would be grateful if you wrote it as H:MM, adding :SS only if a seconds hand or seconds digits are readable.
11:20
